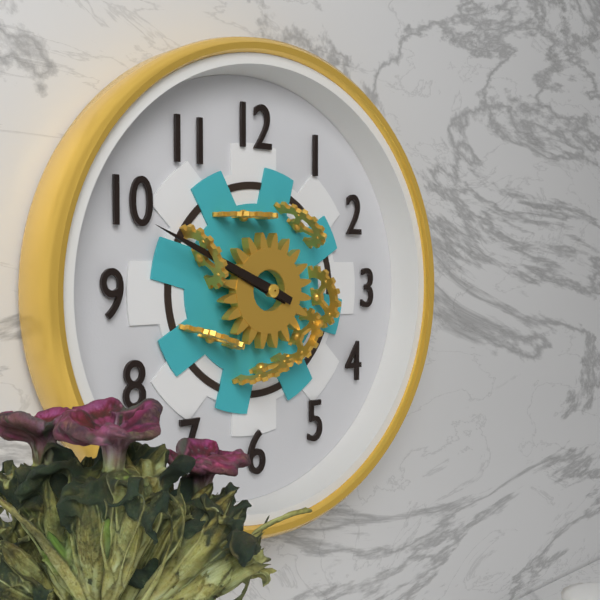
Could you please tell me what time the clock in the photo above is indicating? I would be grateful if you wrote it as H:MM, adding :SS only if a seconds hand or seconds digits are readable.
9:49
